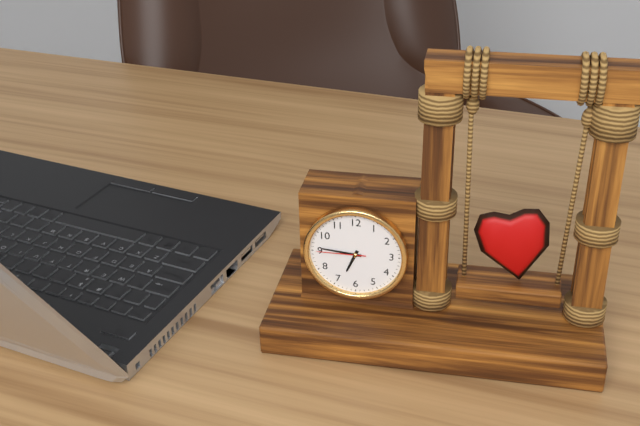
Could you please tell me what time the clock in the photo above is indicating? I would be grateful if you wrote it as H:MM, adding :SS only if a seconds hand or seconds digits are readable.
6:46
